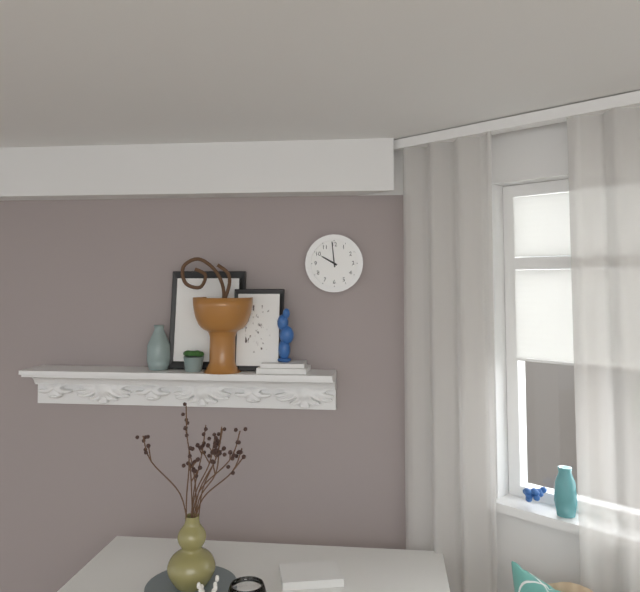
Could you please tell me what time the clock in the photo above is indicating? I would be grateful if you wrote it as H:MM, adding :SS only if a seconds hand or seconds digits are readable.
9:59
